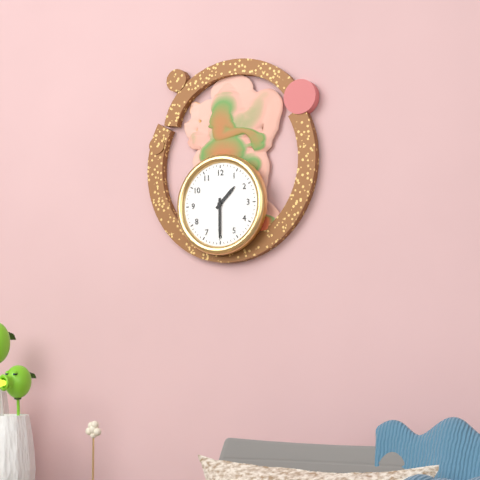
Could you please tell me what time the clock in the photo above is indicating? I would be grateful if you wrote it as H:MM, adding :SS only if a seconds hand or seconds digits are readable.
1:30
